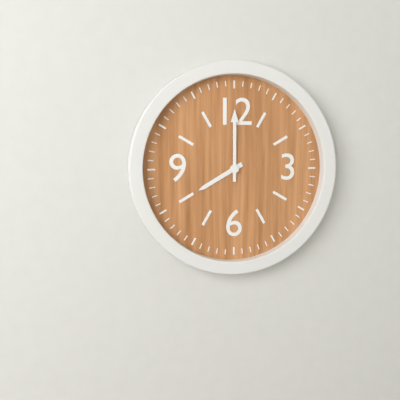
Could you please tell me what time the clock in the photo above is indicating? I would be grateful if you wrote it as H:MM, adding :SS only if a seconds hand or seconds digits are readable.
8:00
